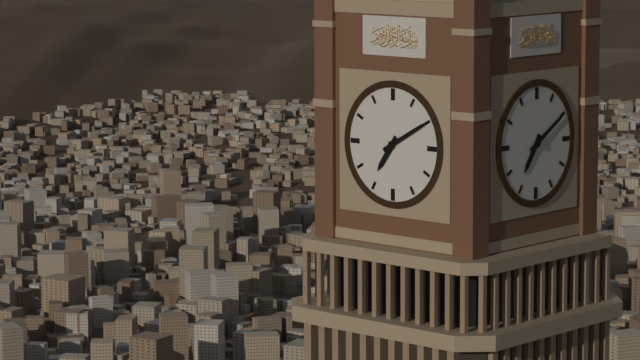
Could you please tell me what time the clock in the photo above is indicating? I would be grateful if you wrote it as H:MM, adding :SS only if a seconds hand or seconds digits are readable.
7:10
